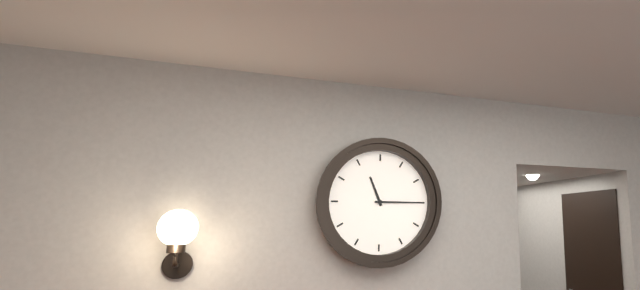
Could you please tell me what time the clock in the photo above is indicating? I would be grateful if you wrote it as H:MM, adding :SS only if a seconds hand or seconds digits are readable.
11:15
